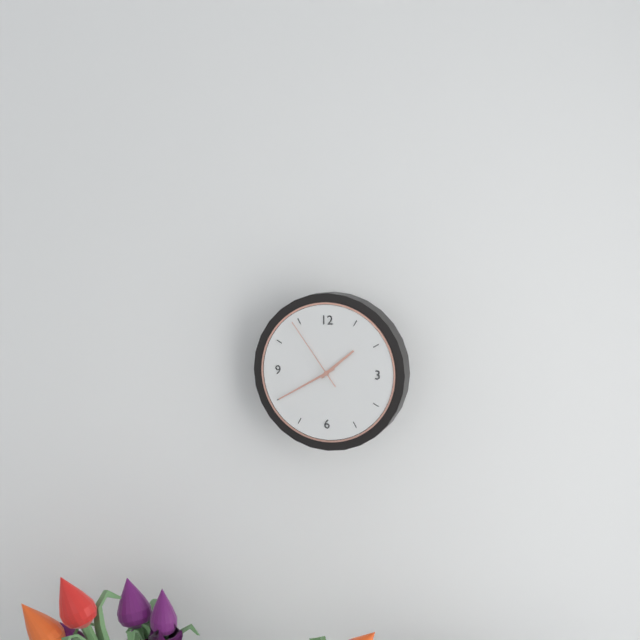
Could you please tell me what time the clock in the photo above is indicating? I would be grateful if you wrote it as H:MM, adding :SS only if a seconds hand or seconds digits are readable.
1:40:54
